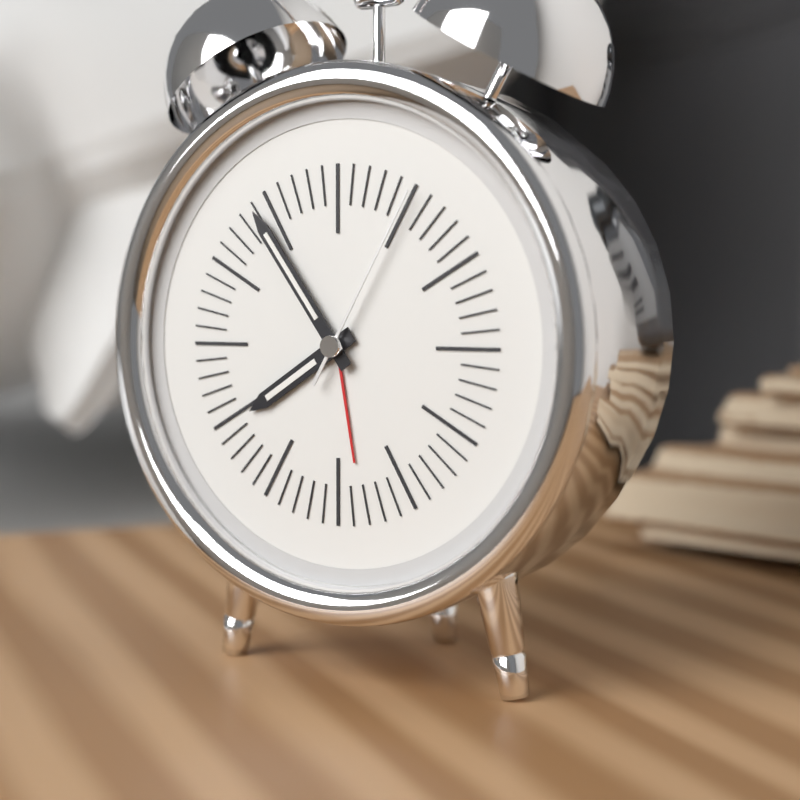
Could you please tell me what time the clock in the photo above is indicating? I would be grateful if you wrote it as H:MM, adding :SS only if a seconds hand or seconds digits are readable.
7:54:05
